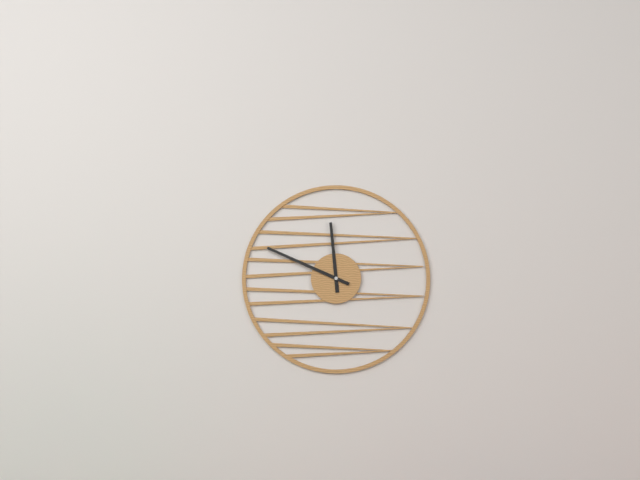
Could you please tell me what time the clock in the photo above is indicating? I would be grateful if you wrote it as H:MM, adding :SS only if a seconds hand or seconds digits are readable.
11:49
